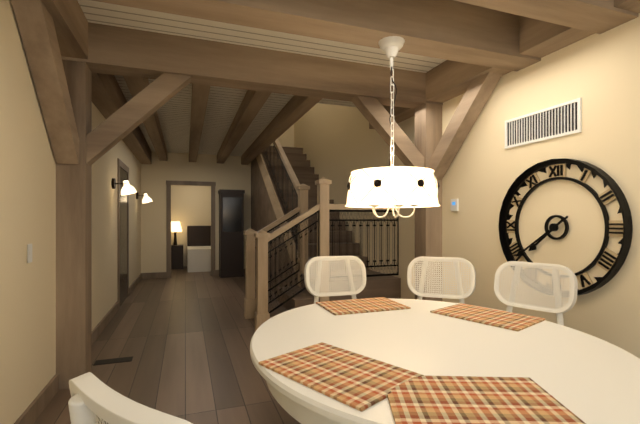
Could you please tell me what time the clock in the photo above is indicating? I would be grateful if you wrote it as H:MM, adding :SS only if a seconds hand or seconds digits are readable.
7:39
